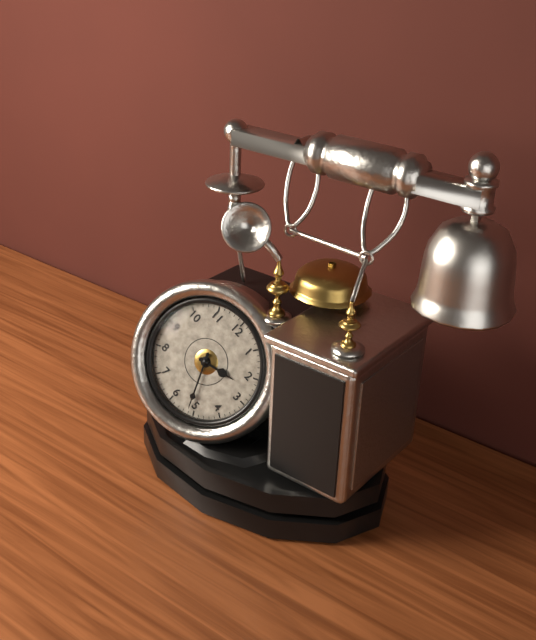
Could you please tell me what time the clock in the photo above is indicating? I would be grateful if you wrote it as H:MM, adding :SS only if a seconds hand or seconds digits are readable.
2:26
